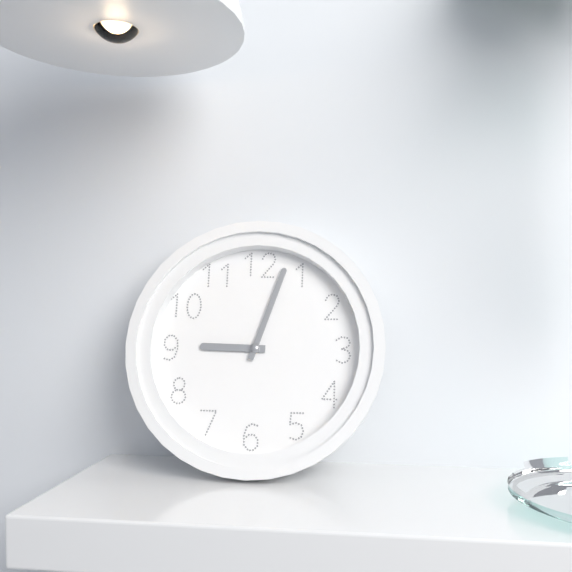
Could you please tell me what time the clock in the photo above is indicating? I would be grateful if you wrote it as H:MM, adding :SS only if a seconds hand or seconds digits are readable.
9:03
